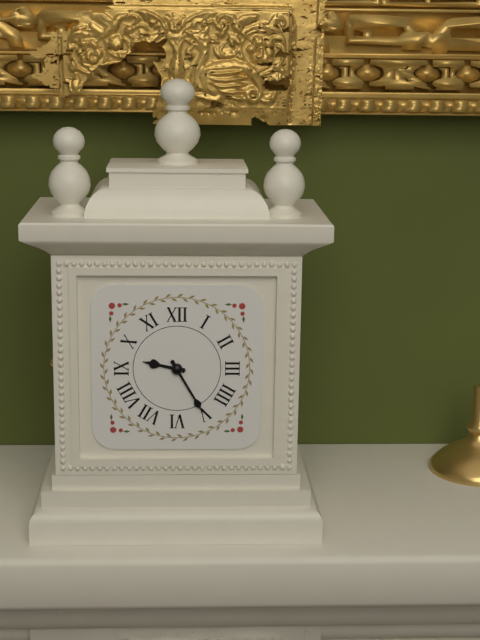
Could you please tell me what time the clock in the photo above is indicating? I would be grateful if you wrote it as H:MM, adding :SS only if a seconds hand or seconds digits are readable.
9:25
